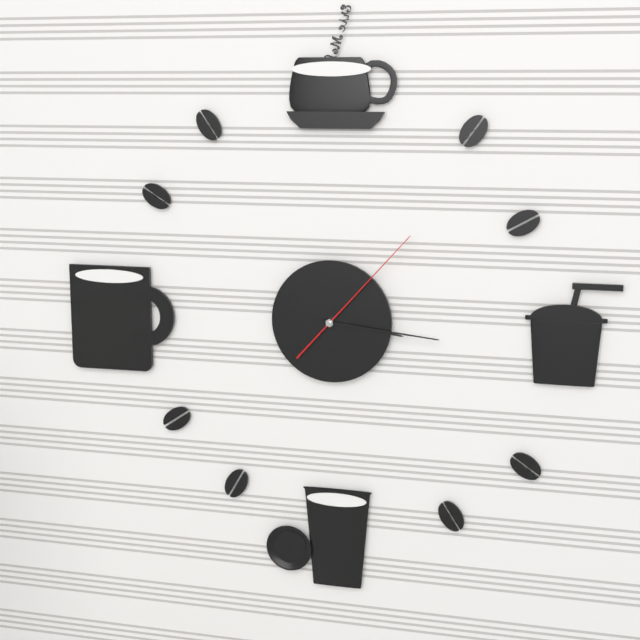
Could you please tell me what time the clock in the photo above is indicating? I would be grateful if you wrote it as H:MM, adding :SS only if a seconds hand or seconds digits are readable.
3:16:07
